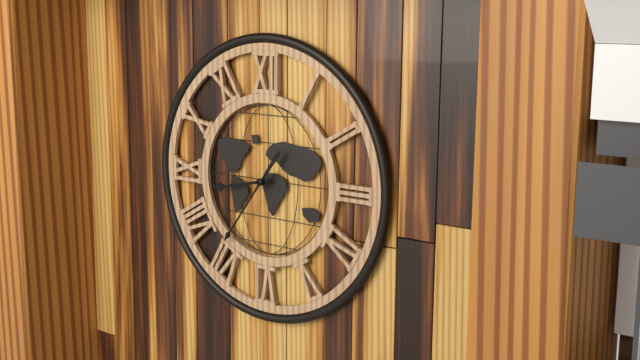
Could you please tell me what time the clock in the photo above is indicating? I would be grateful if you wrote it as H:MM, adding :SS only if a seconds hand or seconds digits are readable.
8:36
